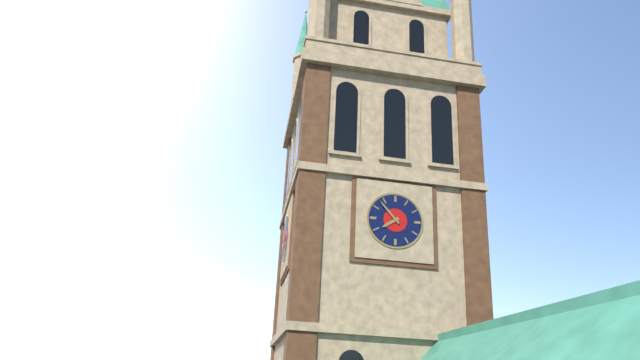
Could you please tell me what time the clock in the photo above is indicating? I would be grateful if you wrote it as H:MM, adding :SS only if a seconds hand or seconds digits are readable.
7:53
